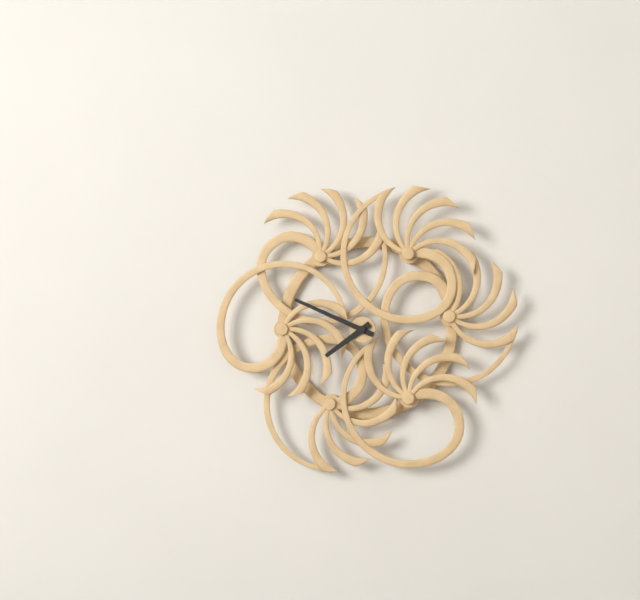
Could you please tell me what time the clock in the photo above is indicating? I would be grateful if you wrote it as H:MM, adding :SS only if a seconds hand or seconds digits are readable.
7:49
